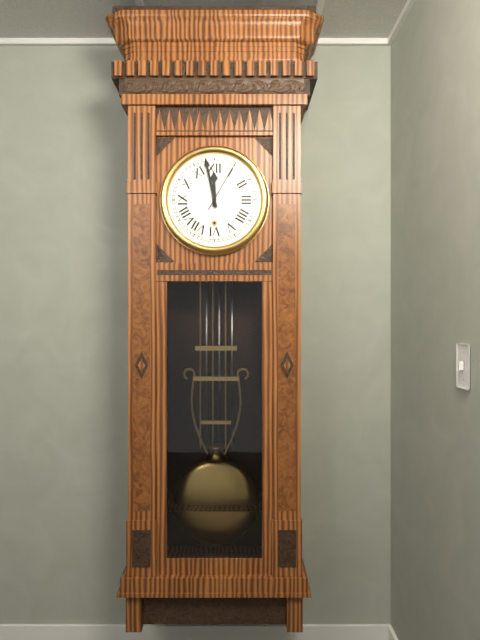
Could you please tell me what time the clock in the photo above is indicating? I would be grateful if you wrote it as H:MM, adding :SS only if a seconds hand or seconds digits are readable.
11:58:05
